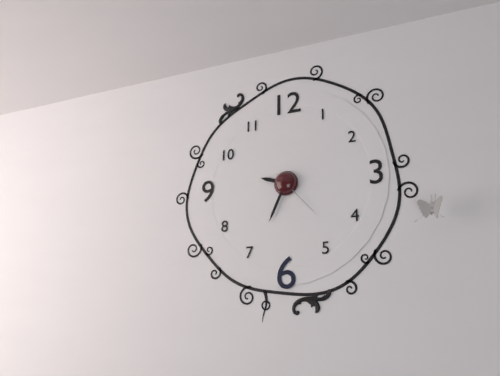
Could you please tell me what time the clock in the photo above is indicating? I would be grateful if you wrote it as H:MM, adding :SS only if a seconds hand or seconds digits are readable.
9:34:23
